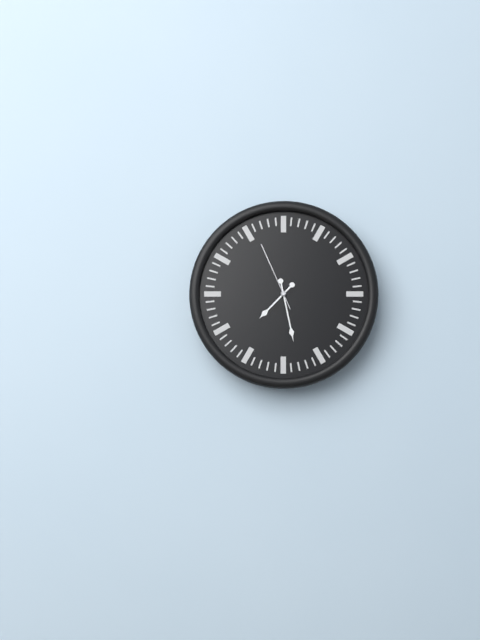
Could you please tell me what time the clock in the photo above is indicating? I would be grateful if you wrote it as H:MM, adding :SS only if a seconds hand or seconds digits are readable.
7:28:56
